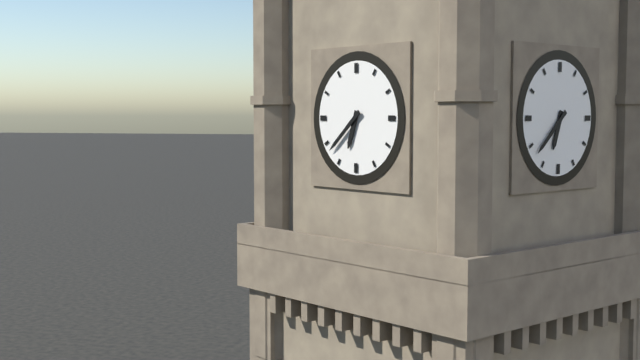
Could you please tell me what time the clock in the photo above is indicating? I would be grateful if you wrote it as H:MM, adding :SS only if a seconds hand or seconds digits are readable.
6:38
